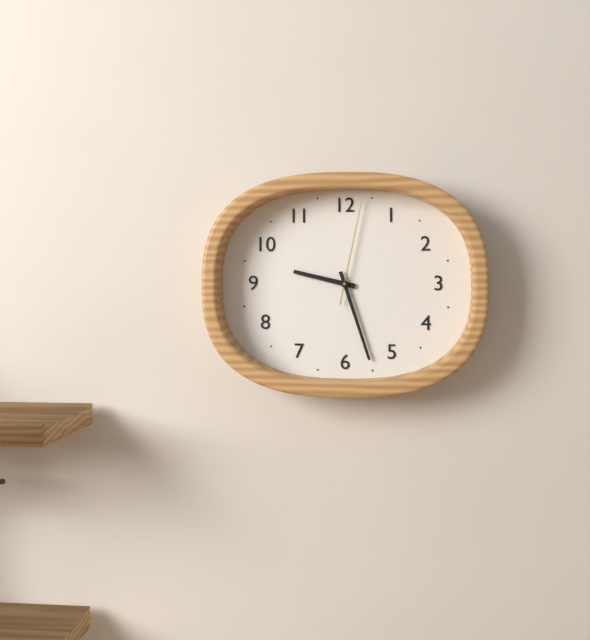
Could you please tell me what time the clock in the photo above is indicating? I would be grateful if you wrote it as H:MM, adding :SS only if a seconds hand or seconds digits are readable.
9:27:02
